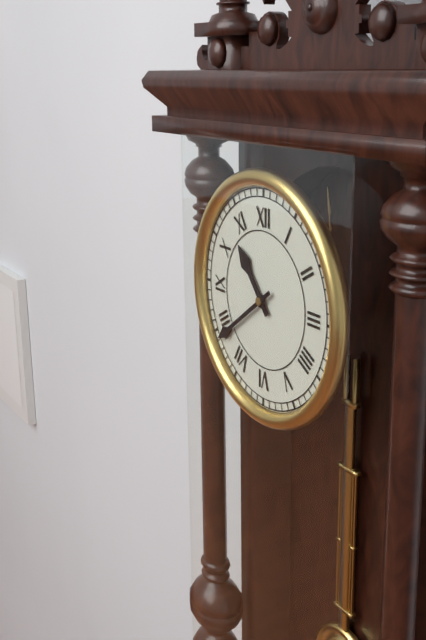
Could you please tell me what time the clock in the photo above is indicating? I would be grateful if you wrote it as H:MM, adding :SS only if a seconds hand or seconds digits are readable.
10:39
